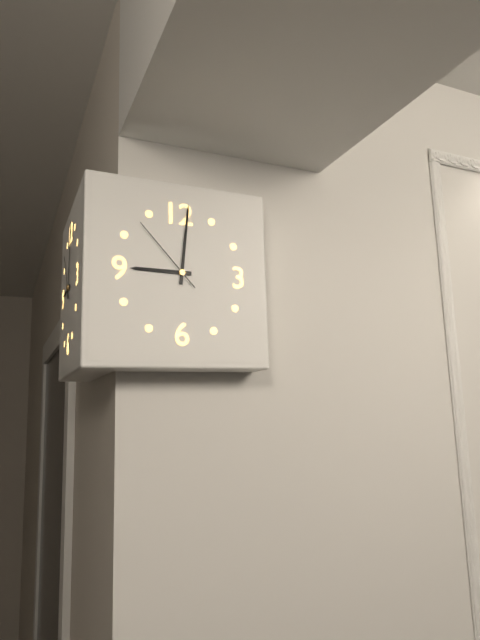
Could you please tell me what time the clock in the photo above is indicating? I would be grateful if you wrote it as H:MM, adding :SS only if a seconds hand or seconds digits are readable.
9:01:53
